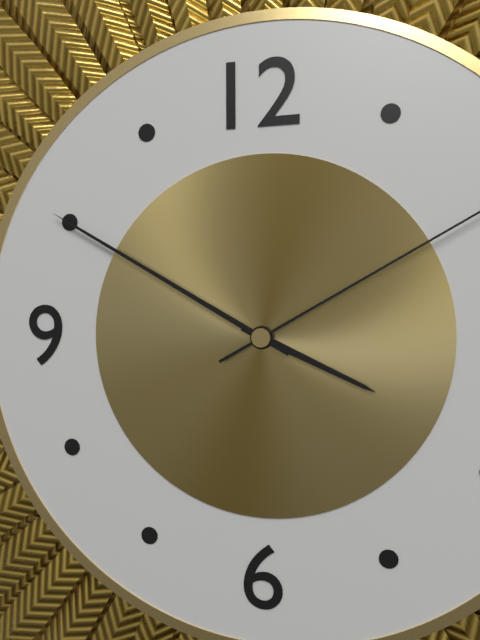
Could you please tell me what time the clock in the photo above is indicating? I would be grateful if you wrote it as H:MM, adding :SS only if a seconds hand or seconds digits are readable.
3:50
